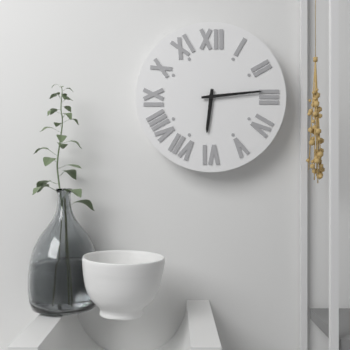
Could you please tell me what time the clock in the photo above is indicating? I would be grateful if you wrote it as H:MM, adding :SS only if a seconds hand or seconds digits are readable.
6:14
